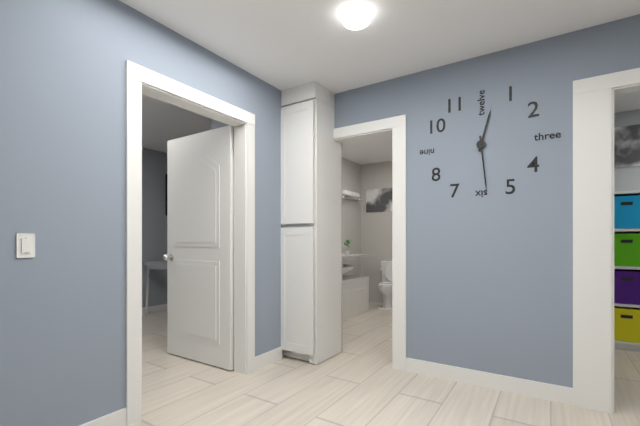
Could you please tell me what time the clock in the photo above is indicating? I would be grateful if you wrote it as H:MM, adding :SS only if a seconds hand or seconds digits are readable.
12:29
